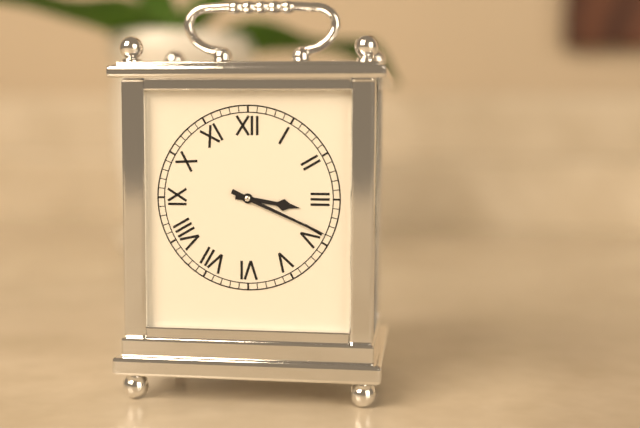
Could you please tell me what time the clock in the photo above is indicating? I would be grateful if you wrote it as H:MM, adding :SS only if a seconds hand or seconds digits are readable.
3:19
